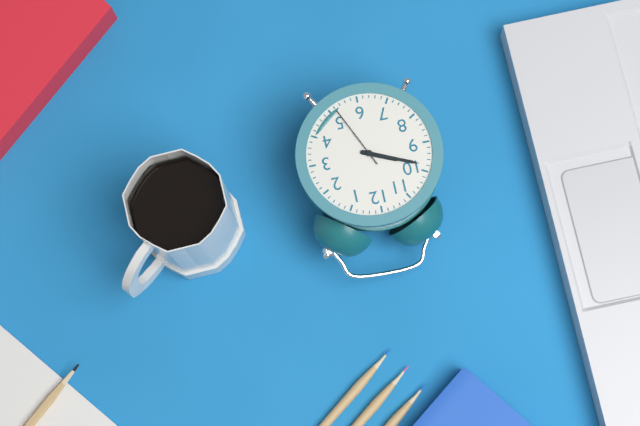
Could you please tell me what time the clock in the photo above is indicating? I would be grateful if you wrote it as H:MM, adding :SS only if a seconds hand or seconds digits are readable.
9:49:26
